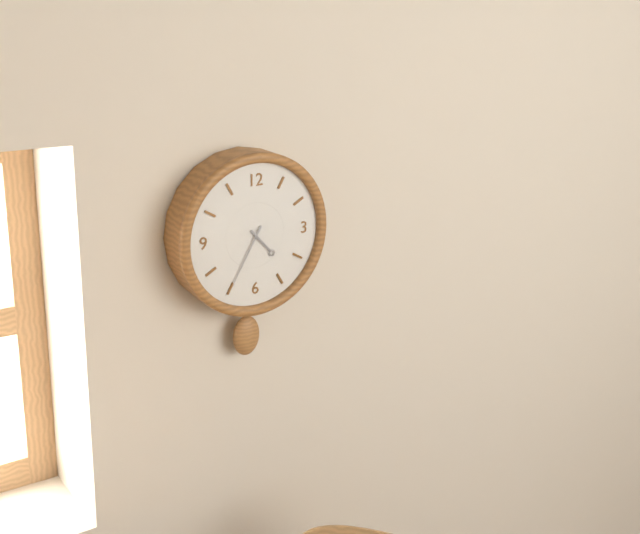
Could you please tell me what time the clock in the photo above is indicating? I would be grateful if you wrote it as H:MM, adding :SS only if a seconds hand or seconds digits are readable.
4:35
